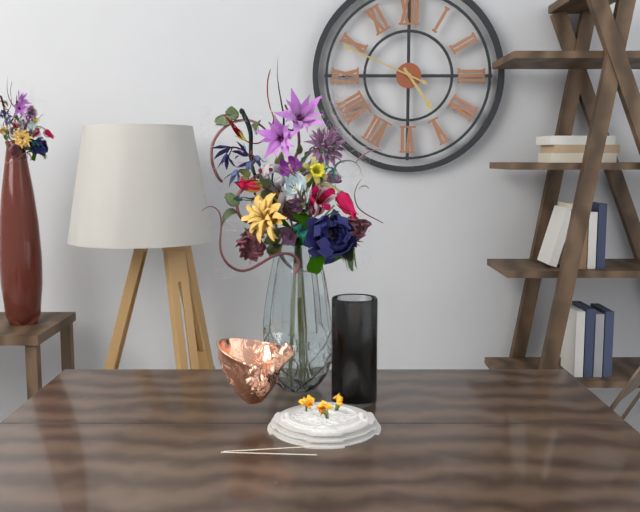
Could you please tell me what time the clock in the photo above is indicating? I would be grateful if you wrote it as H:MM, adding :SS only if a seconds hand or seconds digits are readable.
4:49
